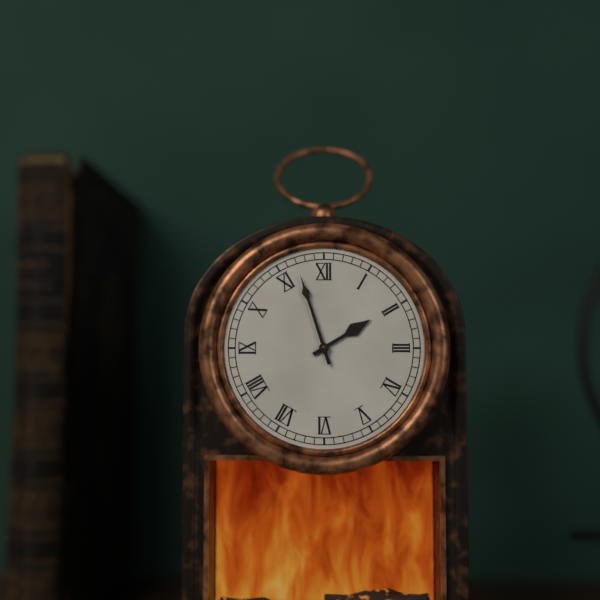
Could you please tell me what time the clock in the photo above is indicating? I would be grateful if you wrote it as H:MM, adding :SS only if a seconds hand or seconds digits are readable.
1:57
